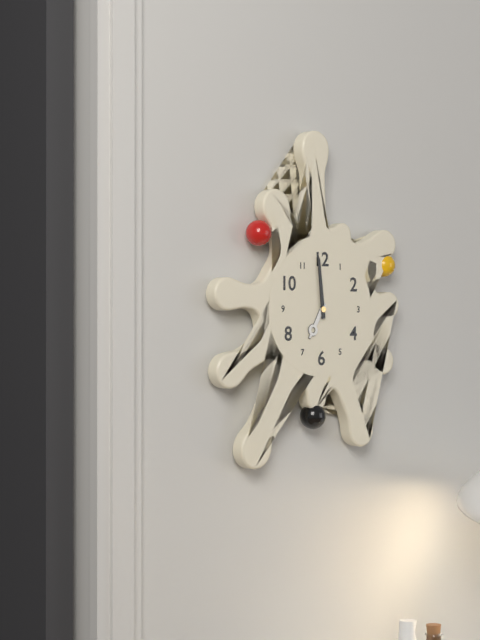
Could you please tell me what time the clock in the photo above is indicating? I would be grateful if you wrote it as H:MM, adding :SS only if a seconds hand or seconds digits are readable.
6:59
